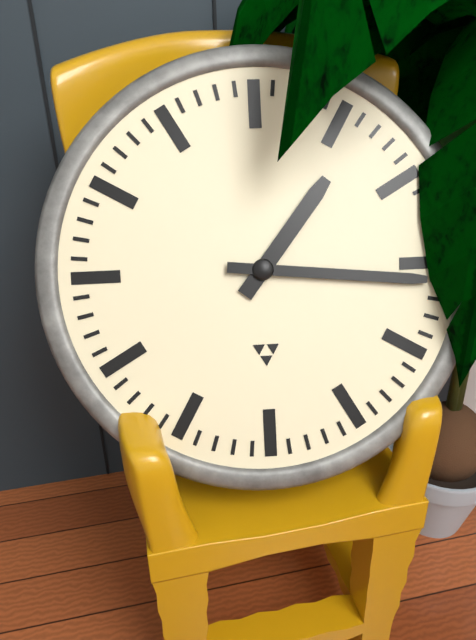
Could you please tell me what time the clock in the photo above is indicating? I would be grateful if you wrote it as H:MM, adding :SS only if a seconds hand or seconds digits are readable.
1:16
